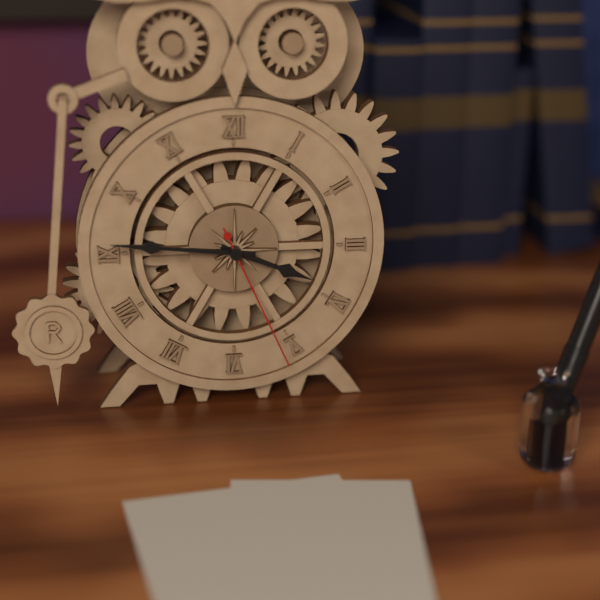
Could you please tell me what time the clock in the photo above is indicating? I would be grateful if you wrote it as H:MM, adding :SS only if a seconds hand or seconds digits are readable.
3:46:26
